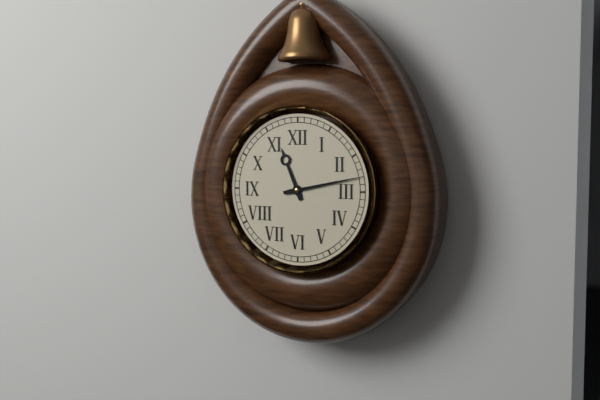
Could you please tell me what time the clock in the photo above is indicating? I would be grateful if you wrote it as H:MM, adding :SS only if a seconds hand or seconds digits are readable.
11:13
